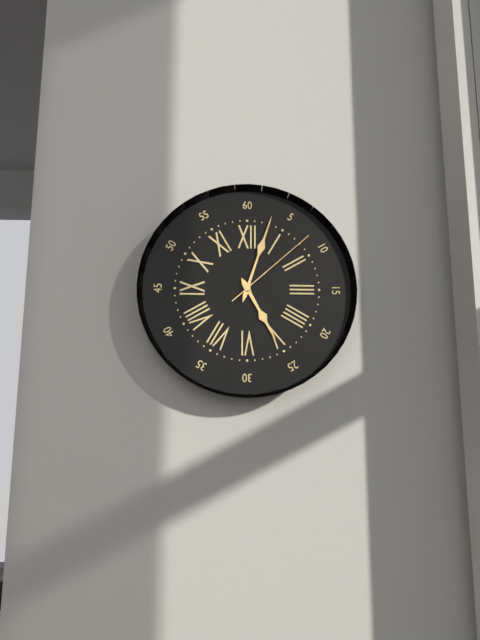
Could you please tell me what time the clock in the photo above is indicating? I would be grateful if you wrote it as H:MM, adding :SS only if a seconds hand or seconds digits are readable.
5:03:08
